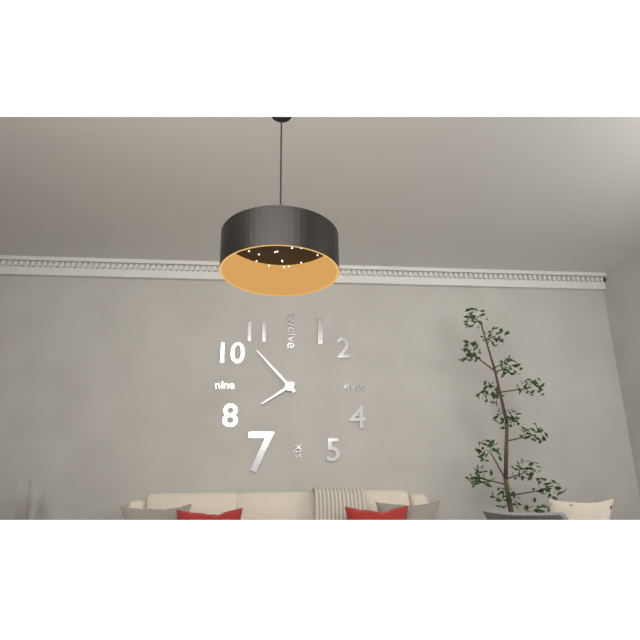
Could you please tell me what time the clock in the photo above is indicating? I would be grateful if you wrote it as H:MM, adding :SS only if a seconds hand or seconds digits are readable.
7:53
